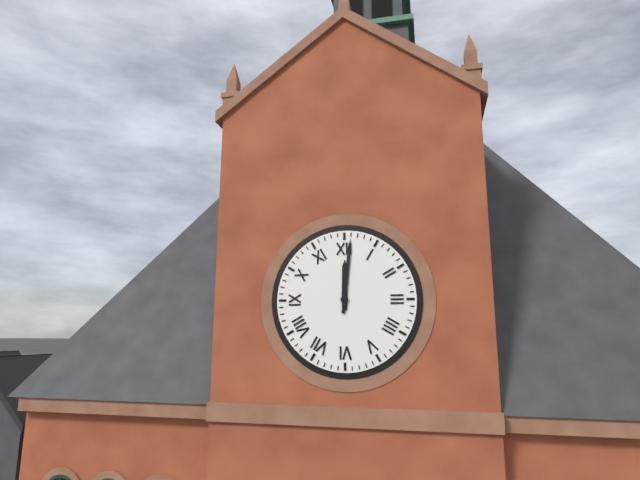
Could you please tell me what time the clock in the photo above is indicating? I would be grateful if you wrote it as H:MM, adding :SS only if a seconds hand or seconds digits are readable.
12:01
